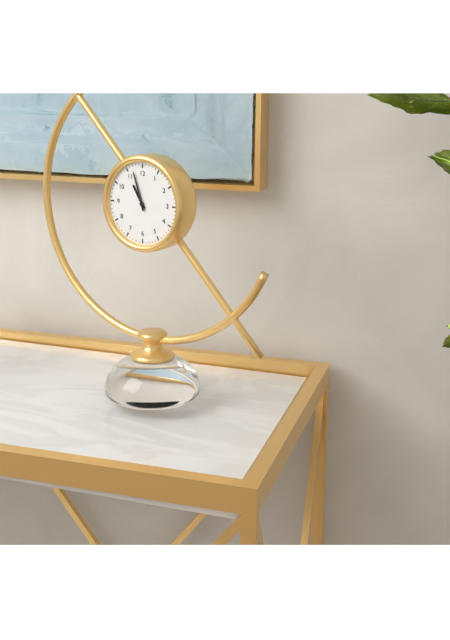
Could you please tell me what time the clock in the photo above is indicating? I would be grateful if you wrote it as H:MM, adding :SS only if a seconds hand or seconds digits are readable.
10:57
